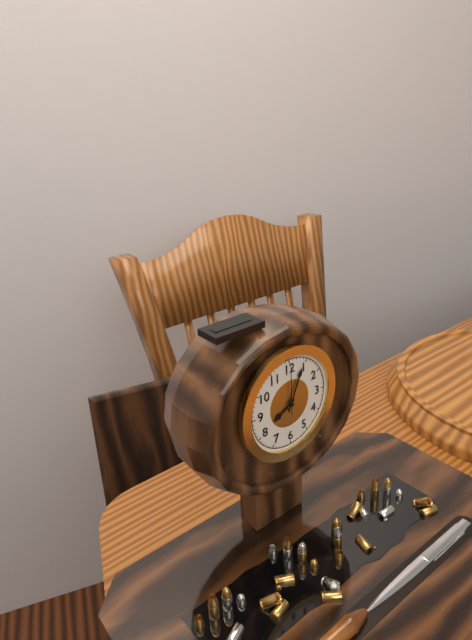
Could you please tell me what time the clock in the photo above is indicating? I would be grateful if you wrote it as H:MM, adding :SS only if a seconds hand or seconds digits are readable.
8:04
